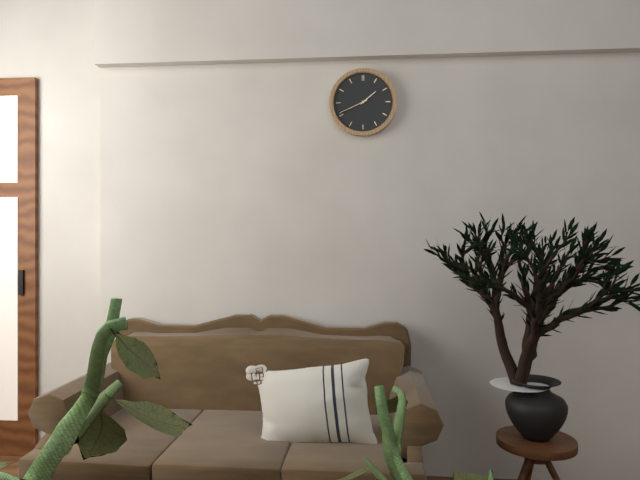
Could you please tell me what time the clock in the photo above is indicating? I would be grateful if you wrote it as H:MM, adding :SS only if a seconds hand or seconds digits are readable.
1:41
